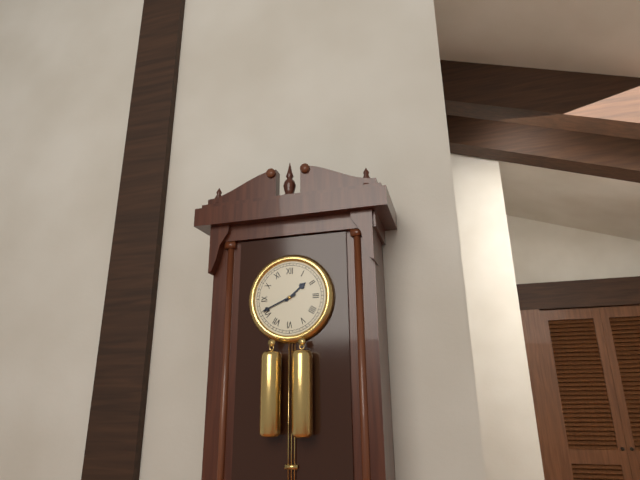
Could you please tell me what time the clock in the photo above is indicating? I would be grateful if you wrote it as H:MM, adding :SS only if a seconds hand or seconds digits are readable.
1:41
